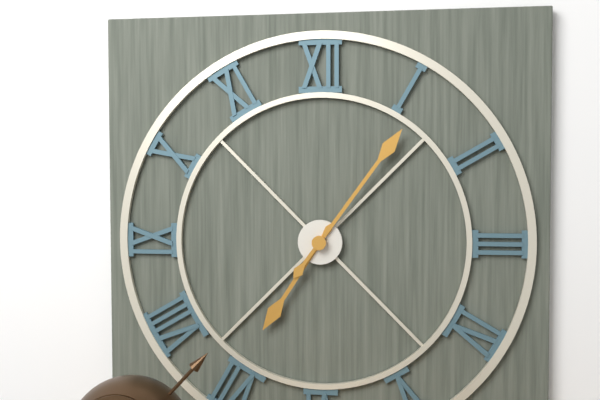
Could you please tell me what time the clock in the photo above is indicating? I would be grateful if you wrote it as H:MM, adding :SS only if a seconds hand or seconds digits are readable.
7:06
